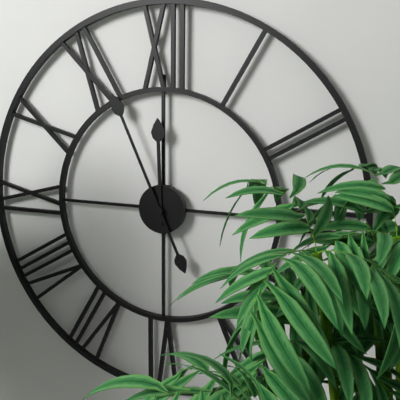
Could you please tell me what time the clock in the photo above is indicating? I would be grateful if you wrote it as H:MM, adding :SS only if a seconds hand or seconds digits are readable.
11:56
